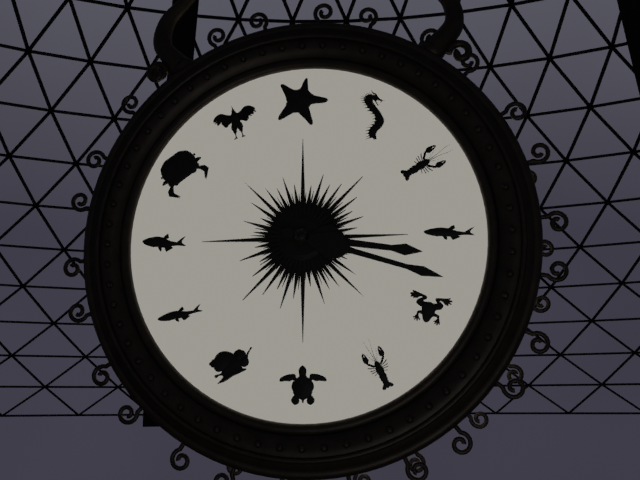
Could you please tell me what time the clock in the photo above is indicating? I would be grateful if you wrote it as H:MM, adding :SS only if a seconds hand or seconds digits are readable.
3:18
